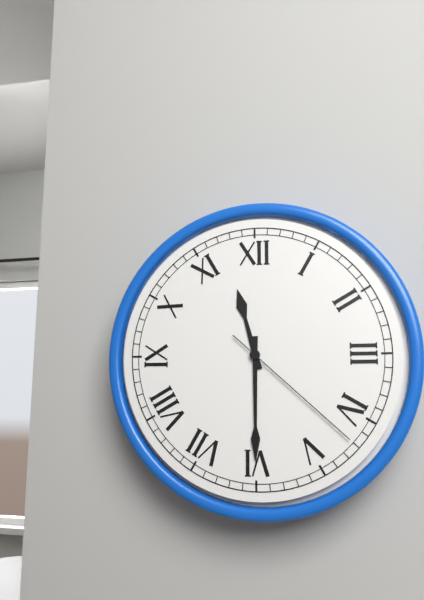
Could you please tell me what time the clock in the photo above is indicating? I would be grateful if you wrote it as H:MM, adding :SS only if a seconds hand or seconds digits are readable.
11:30:22
